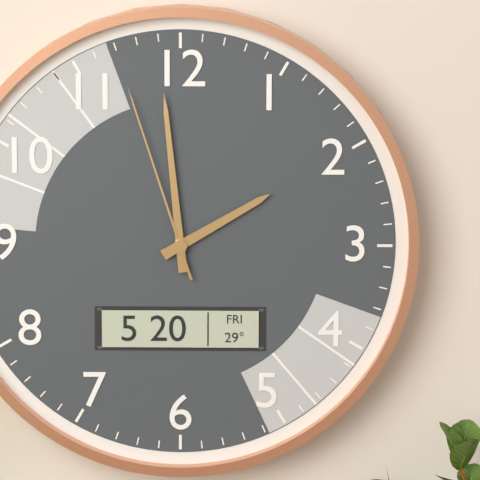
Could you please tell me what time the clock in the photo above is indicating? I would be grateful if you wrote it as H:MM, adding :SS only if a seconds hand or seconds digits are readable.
1:59:57
